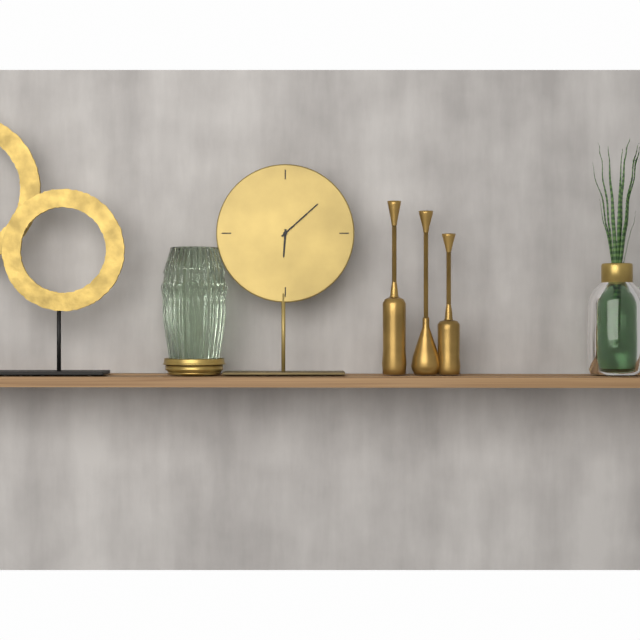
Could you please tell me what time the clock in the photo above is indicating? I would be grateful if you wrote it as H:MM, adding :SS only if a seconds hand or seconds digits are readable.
6:08
